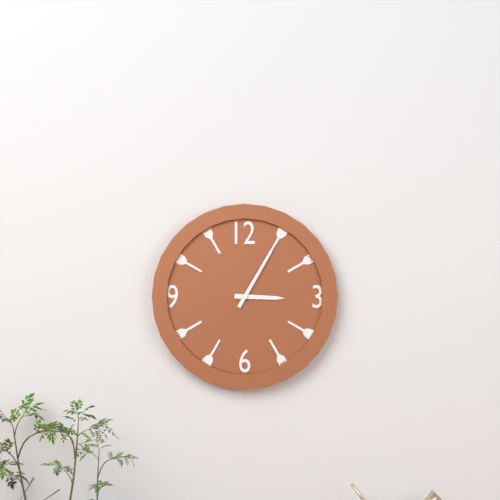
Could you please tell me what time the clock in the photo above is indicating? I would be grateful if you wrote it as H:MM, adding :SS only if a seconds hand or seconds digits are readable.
3:05
